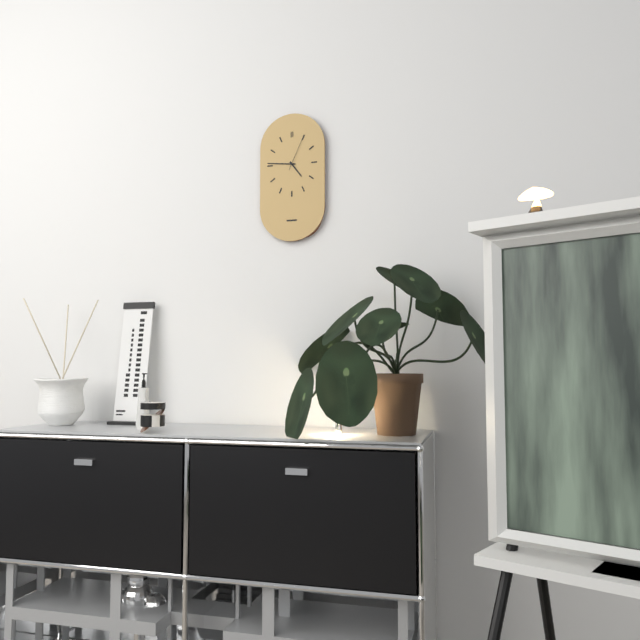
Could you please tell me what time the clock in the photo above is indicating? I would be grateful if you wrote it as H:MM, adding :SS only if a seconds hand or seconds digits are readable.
4:46
